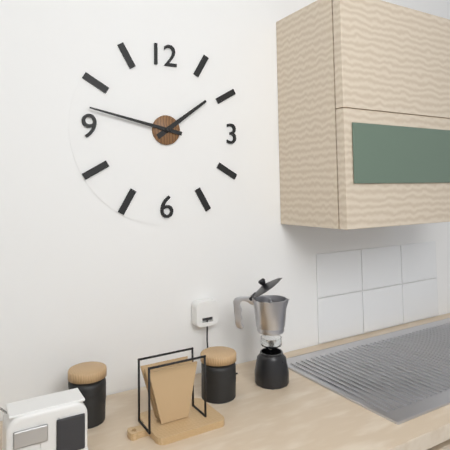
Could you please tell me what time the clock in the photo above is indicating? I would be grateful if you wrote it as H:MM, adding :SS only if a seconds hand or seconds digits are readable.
1:47
